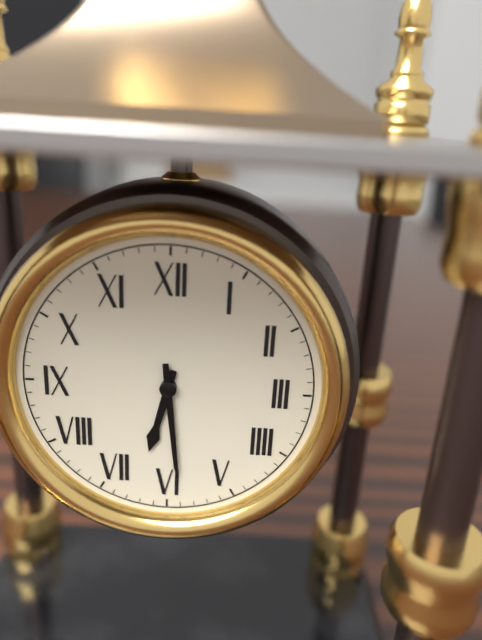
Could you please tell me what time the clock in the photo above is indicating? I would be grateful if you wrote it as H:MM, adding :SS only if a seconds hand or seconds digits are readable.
6:29
